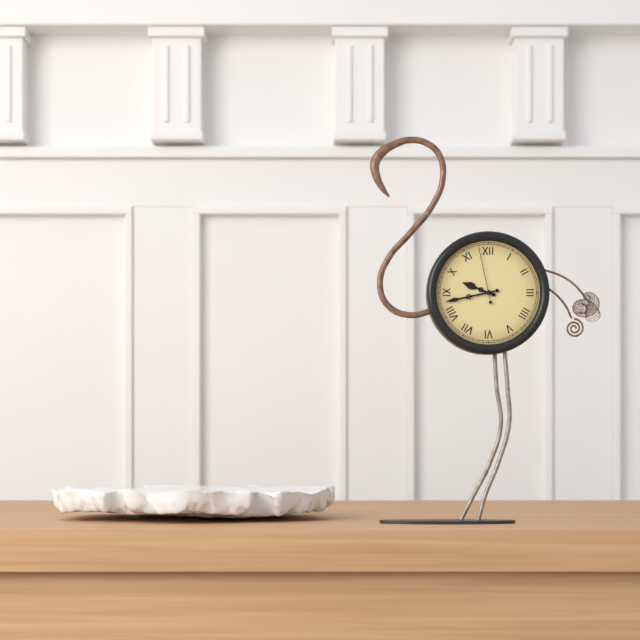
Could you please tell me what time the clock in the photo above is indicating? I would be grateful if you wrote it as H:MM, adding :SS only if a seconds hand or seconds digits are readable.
9:43:58
